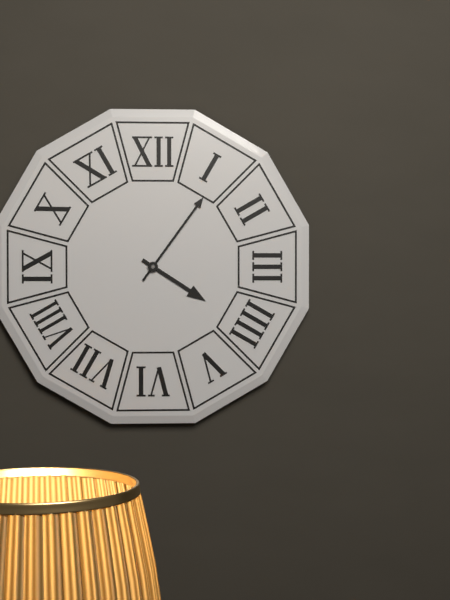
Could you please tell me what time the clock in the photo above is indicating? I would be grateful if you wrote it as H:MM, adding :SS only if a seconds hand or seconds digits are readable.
4:06
